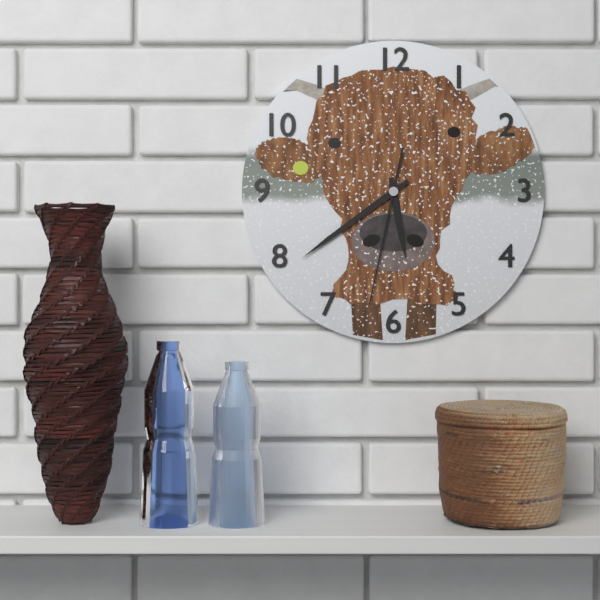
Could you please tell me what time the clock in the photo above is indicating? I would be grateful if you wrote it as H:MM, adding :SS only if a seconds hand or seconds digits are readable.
5:39:32
